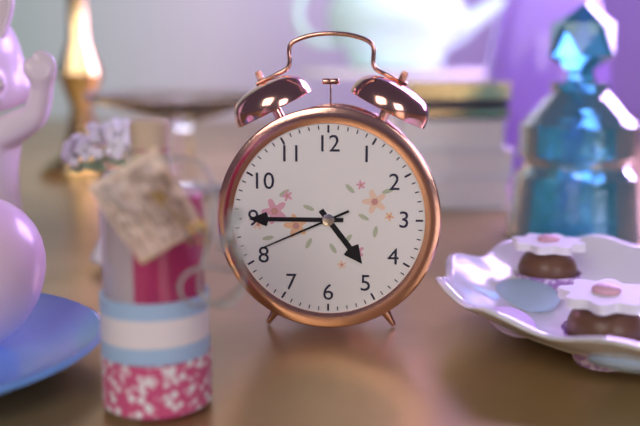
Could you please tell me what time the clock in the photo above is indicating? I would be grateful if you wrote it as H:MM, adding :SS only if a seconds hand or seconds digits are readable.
4:45:41
